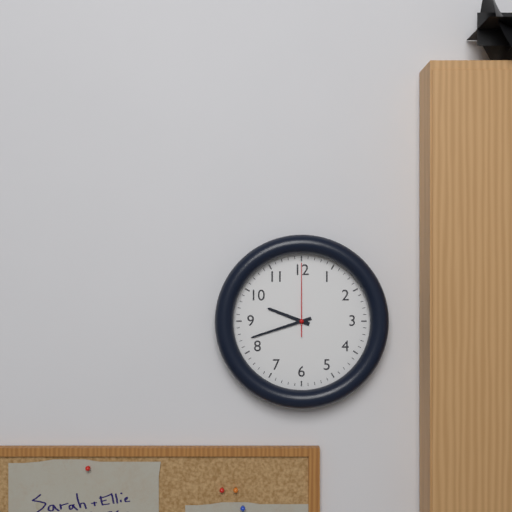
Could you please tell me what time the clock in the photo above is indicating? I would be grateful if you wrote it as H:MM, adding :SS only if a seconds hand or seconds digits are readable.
9:42:00
